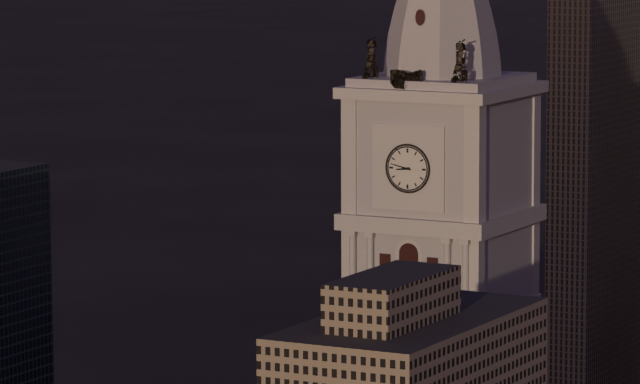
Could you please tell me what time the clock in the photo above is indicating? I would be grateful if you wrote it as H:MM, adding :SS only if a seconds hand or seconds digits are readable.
8:47
